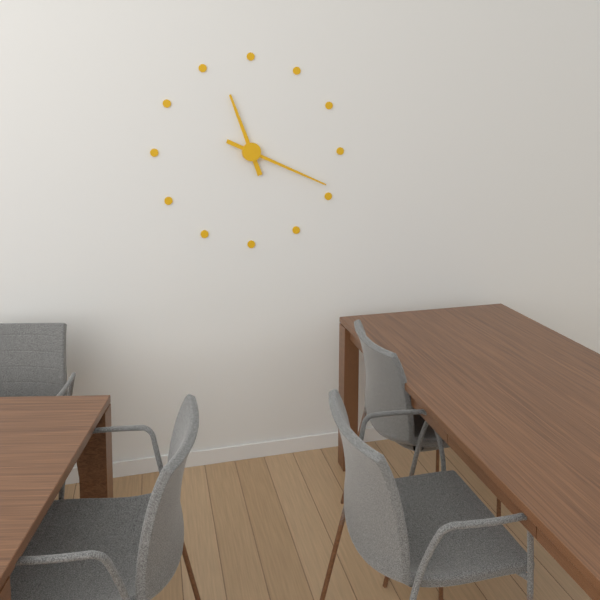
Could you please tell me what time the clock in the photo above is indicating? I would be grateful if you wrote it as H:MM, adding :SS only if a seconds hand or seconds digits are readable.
11:19
